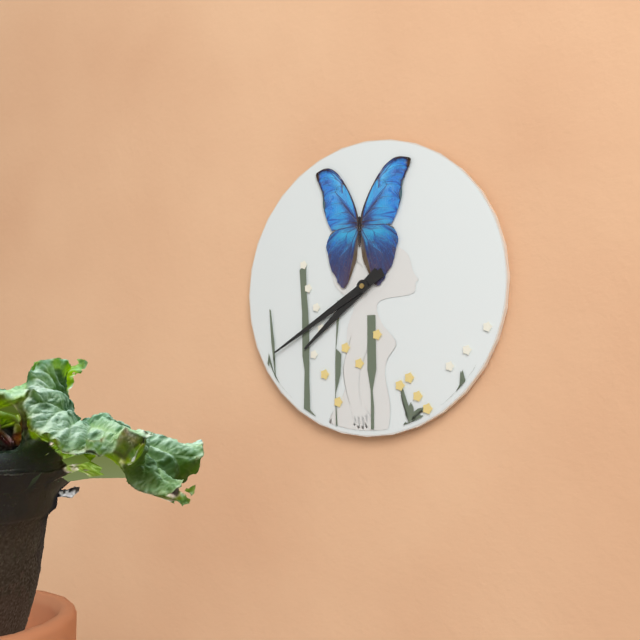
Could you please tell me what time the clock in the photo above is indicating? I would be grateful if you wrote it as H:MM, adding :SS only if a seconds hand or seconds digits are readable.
7:40
